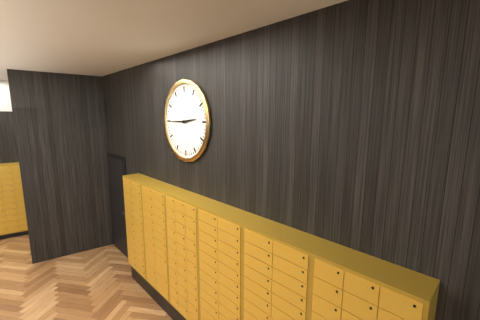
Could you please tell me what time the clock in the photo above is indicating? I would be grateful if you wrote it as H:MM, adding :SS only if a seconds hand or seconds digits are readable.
2:45
